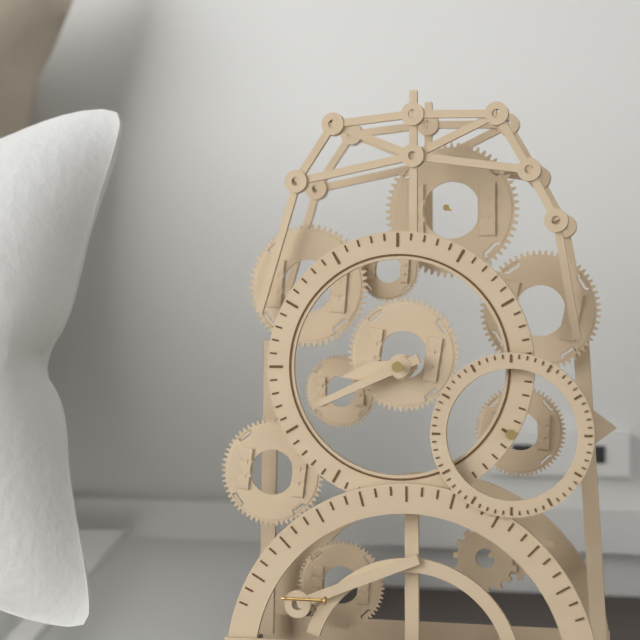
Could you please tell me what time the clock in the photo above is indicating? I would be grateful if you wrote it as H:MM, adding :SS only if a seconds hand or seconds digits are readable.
8:41
